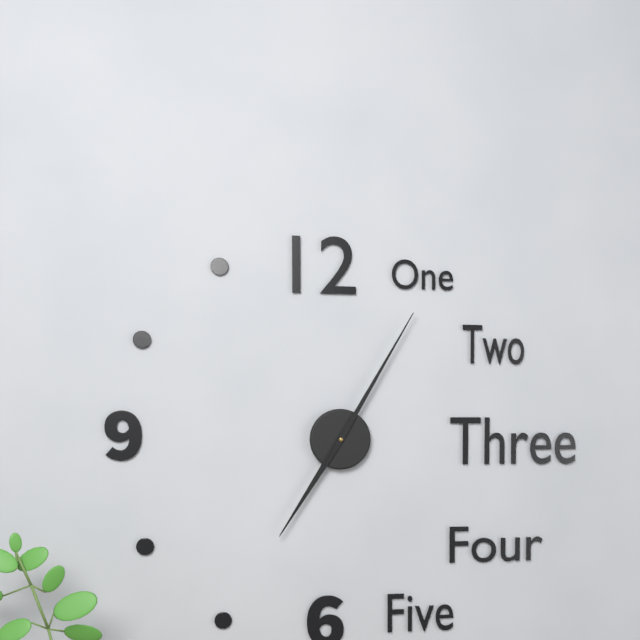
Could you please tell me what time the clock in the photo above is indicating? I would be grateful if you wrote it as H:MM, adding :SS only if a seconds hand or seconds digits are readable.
7:05
